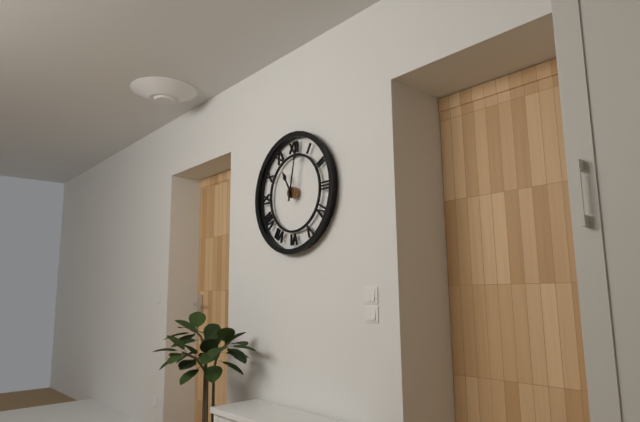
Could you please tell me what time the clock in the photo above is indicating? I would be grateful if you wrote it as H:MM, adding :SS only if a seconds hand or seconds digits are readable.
11:02
